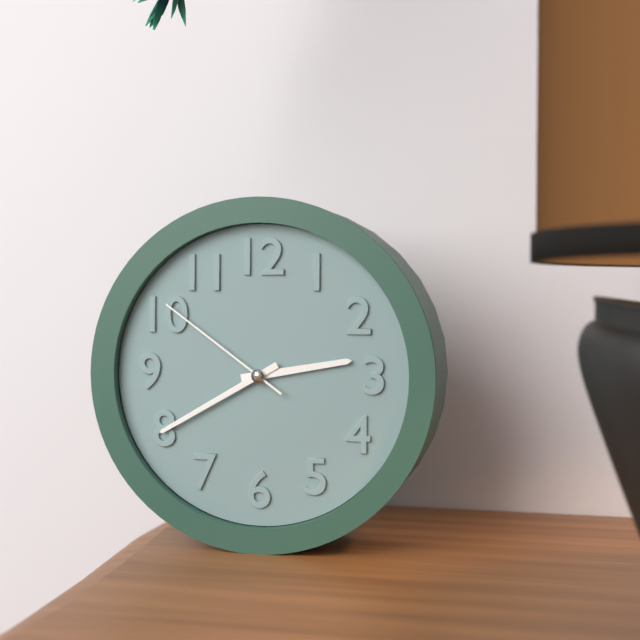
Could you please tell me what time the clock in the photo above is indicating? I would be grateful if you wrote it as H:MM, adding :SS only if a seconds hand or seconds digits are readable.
2:40:51
